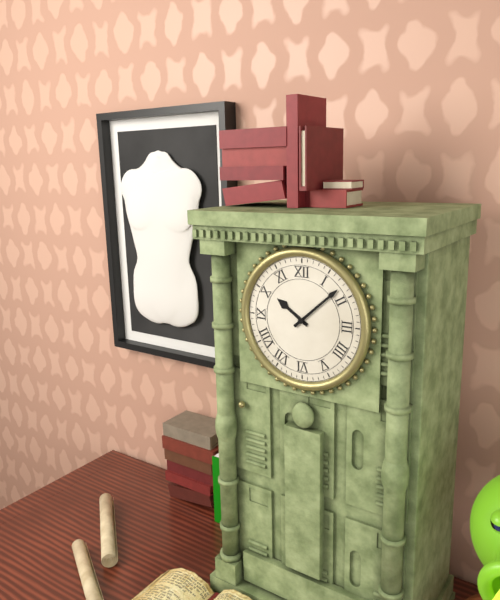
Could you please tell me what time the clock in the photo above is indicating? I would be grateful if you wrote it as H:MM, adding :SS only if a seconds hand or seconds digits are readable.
10:08
